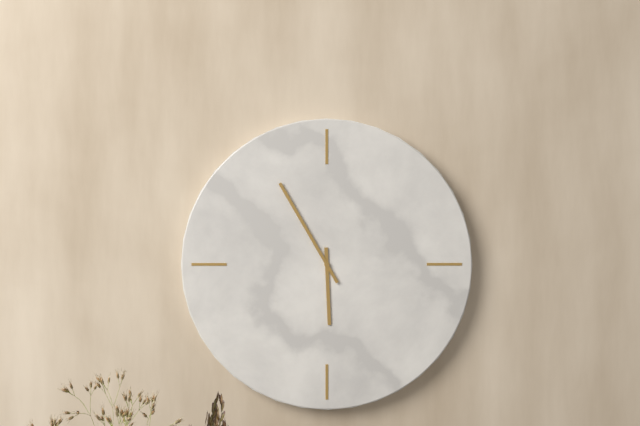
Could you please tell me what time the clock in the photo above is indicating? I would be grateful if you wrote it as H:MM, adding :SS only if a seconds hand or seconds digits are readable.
5:55
